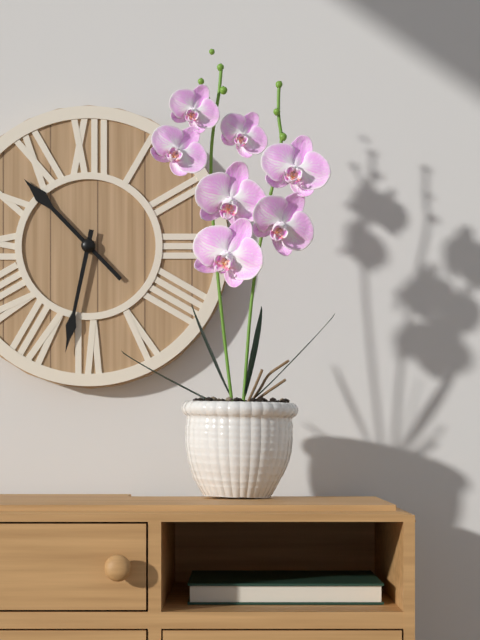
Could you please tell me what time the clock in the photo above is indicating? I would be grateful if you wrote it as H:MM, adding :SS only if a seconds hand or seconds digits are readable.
10:32
